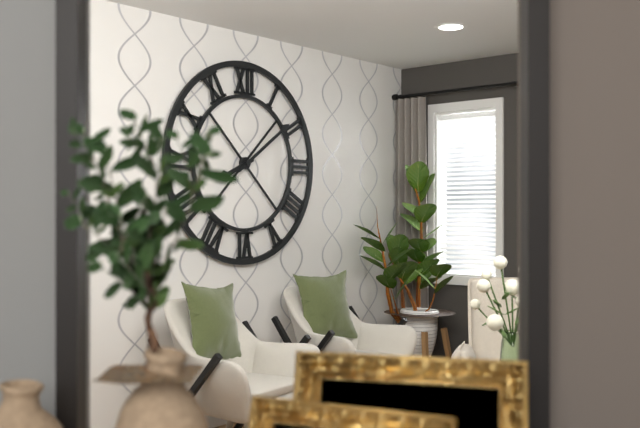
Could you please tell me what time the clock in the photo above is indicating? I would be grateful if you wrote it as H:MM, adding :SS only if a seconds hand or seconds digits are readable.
8:09
